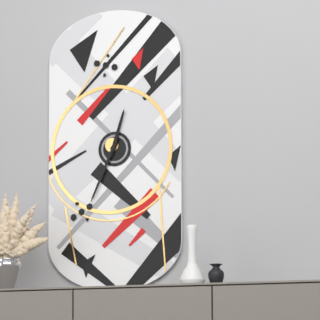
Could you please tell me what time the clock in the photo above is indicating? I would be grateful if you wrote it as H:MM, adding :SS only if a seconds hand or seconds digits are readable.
12:34
